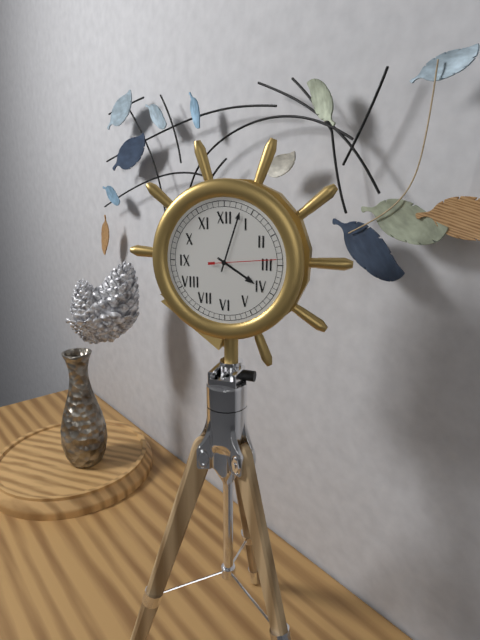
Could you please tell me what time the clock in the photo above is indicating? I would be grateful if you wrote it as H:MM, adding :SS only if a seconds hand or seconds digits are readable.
4:03:14
